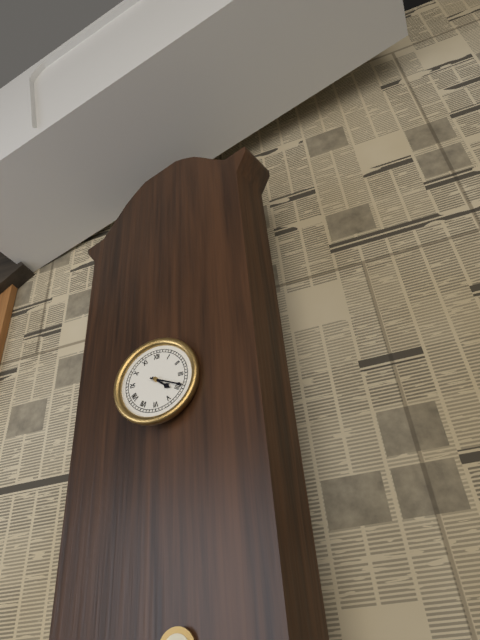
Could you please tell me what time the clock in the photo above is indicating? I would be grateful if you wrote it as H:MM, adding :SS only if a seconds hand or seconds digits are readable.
4:19
